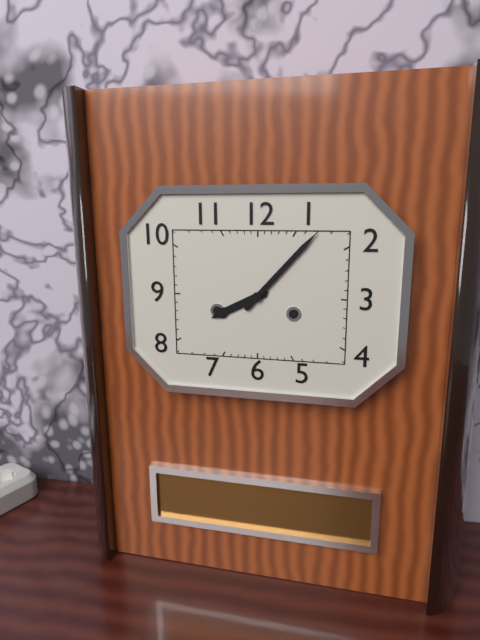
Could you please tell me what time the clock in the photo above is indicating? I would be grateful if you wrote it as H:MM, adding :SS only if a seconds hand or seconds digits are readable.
8:07
